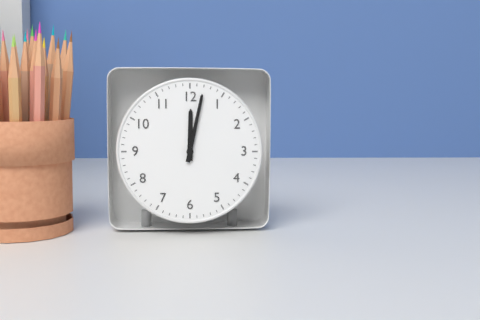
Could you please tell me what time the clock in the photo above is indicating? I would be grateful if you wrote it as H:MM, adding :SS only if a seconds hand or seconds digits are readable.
12:02
